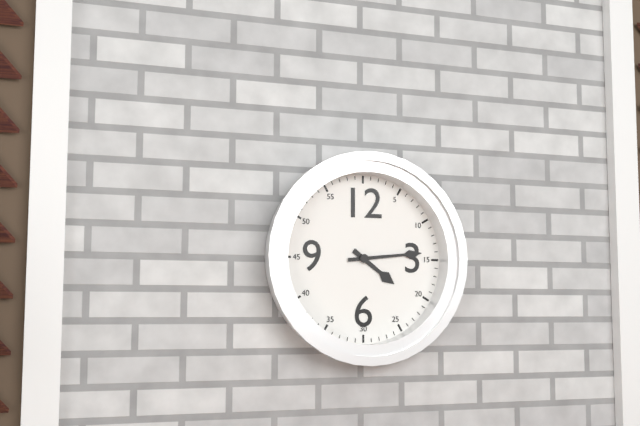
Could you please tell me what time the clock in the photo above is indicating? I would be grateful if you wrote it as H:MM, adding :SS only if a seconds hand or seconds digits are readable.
4:14
